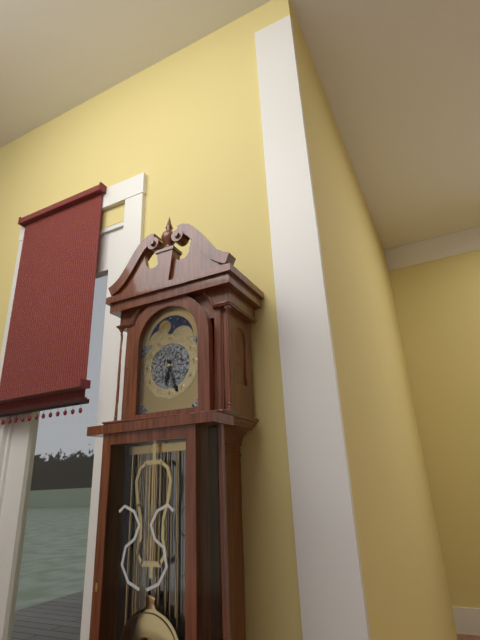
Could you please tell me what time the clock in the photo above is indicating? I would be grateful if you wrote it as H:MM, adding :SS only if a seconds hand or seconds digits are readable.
6:27
